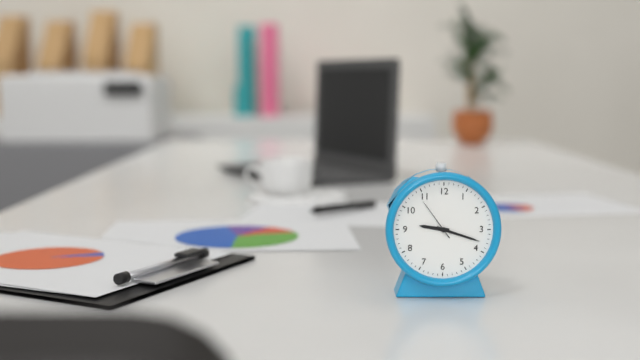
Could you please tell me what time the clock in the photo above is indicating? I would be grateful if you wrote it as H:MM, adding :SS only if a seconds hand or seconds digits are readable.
9:18
